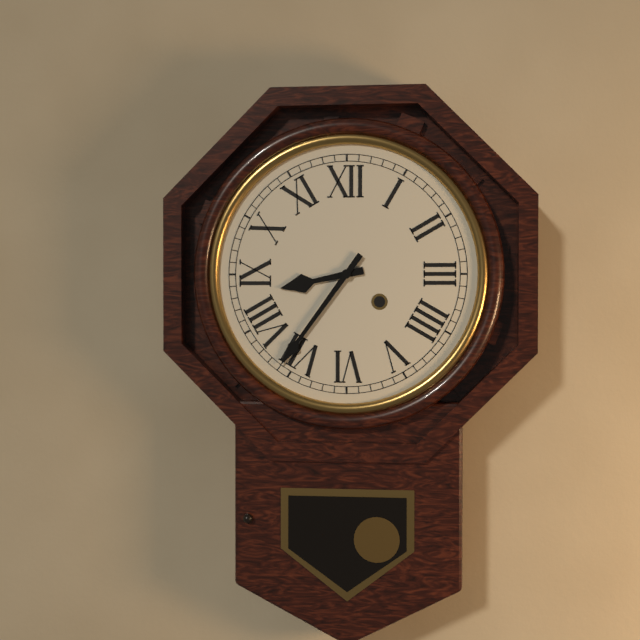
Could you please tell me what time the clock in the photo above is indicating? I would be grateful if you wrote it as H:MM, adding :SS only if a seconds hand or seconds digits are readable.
8:36
